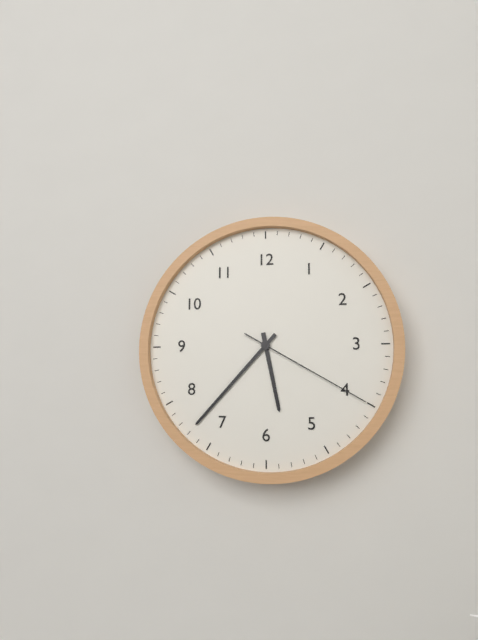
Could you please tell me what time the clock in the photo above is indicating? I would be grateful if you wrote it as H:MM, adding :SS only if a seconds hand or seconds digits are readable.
5:37:20
